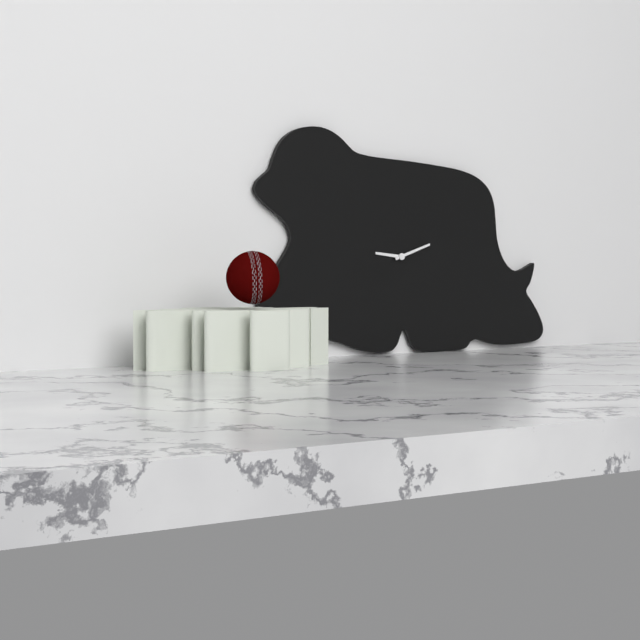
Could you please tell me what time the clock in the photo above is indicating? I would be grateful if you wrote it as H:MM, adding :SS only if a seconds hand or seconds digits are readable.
9:12
